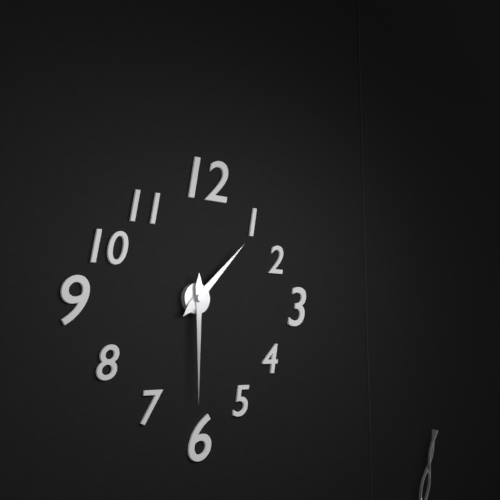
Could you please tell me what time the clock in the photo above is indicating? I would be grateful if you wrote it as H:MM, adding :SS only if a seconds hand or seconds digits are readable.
1:30
